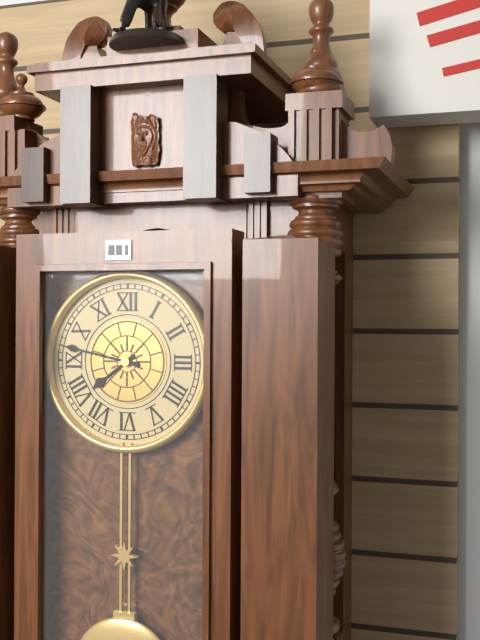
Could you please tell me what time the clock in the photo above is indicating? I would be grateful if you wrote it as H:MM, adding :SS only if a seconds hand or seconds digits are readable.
7:47
